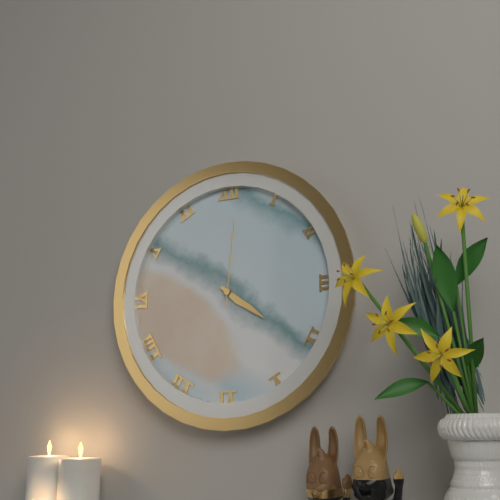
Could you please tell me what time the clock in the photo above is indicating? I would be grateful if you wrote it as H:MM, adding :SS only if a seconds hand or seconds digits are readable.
4:21:01
